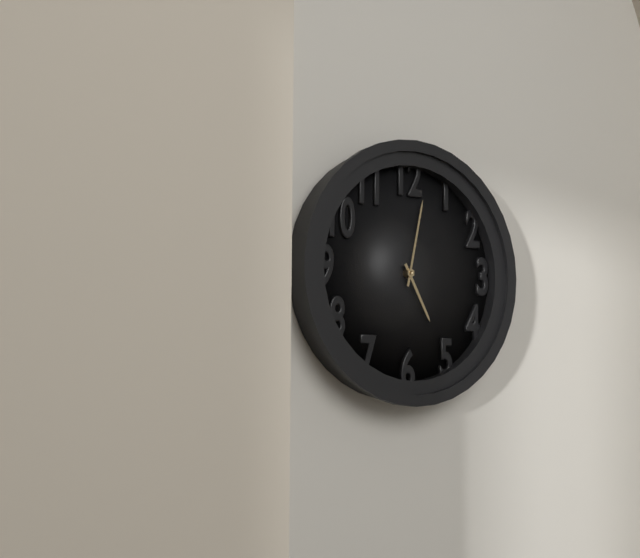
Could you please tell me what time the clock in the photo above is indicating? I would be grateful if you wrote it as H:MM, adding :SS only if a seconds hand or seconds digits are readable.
5:02
